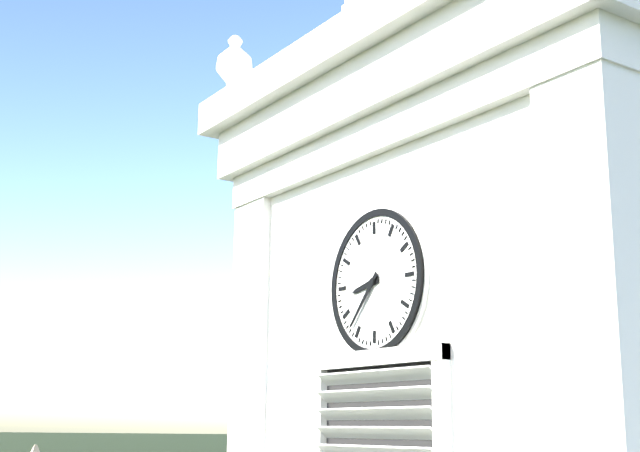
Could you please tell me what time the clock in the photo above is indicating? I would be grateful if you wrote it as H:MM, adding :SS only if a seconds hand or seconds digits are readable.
8:37
